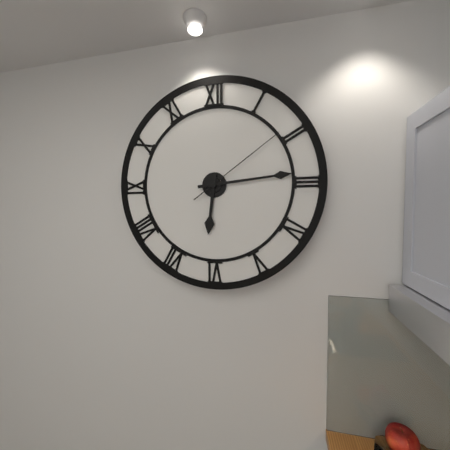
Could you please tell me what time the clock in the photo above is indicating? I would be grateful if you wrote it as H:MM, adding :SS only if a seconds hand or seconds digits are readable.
6:14:09
